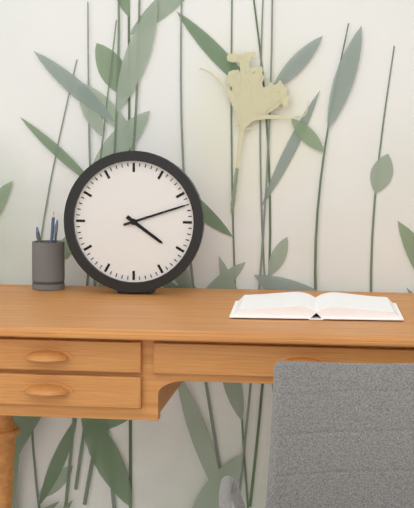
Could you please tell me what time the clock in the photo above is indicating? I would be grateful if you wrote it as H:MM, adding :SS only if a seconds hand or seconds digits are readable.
4:12
